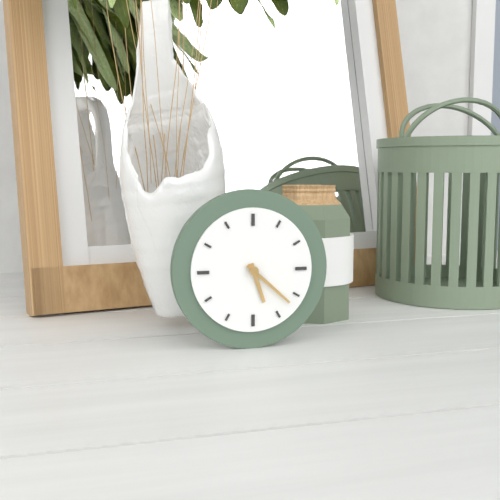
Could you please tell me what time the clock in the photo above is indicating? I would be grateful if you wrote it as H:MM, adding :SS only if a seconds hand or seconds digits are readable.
5:22
